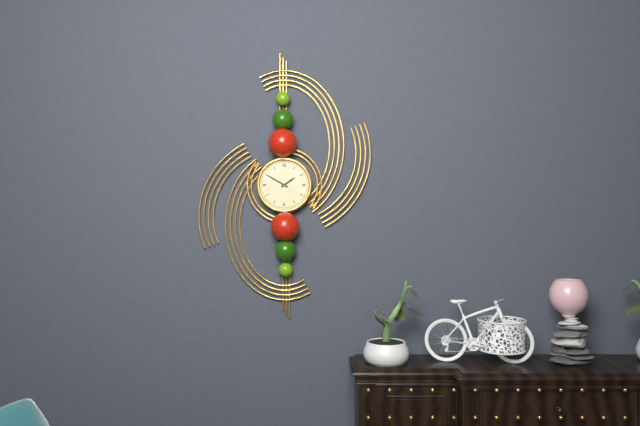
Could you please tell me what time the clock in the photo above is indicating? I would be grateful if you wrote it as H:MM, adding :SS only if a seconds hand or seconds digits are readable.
1:50
